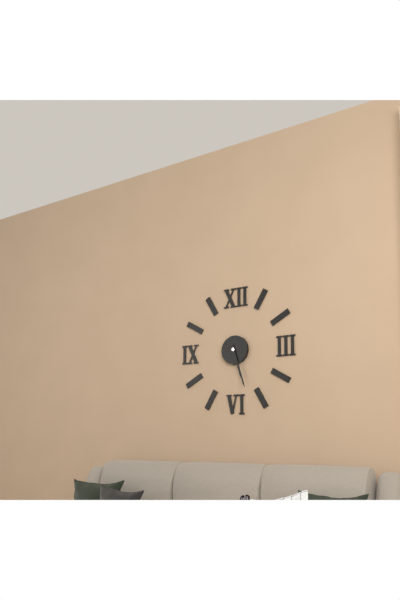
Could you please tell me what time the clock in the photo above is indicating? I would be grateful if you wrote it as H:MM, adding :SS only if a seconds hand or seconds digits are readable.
5:27
